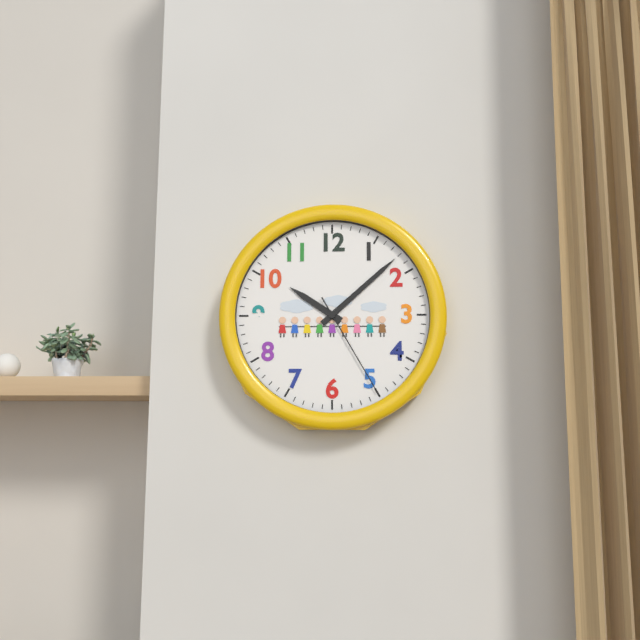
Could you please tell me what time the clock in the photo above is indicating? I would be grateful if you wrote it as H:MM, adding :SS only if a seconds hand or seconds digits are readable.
10:08:25
